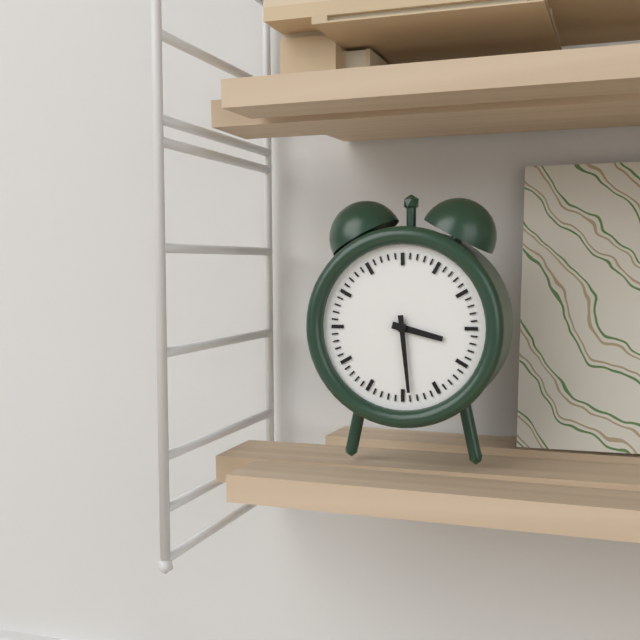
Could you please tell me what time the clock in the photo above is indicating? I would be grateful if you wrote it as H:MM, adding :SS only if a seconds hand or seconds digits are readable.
3:29
